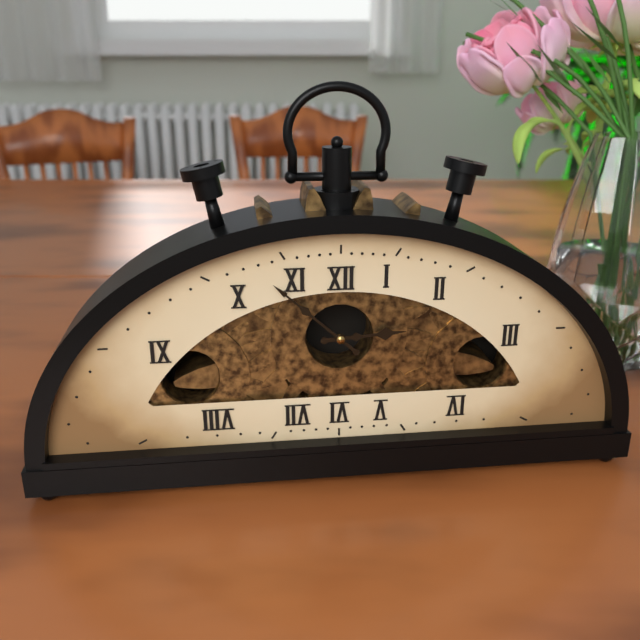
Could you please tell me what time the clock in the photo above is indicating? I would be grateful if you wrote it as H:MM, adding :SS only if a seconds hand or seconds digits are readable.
2:52
